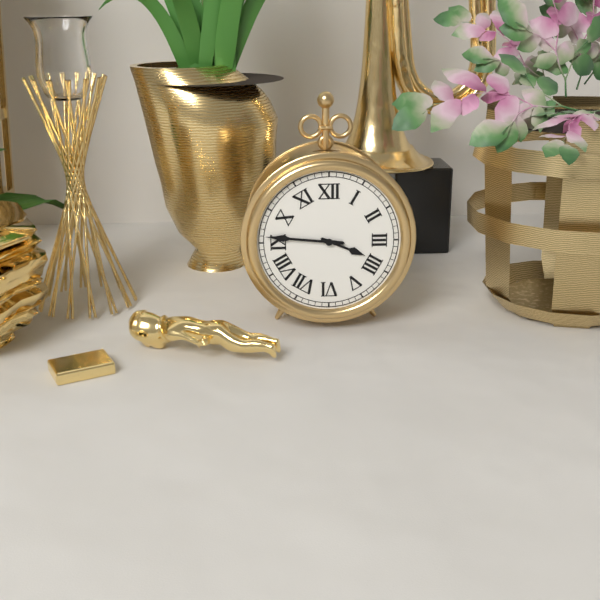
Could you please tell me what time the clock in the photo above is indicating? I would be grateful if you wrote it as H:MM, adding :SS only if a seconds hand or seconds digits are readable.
3:46
